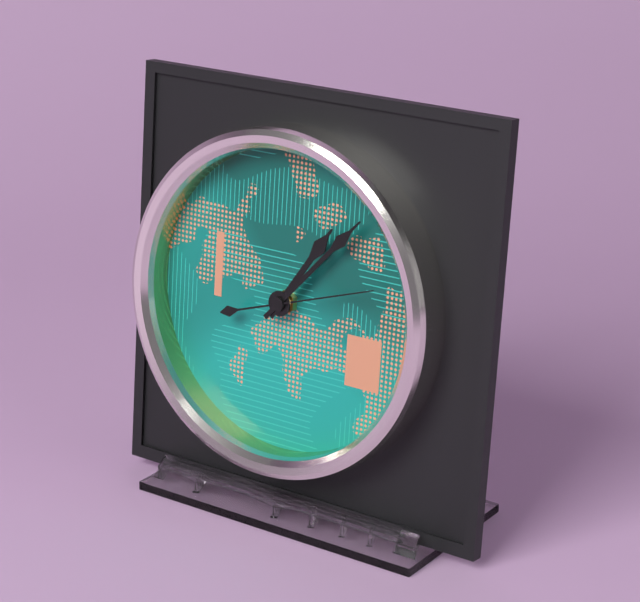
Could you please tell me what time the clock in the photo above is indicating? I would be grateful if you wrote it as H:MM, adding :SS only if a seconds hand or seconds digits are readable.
1:07:12
